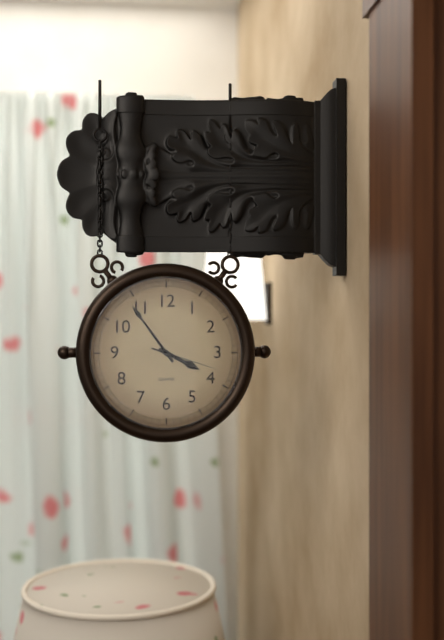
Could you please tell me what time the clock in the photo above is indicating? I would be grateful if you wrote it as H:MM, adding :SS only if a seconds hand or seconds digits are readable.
3:54:18
